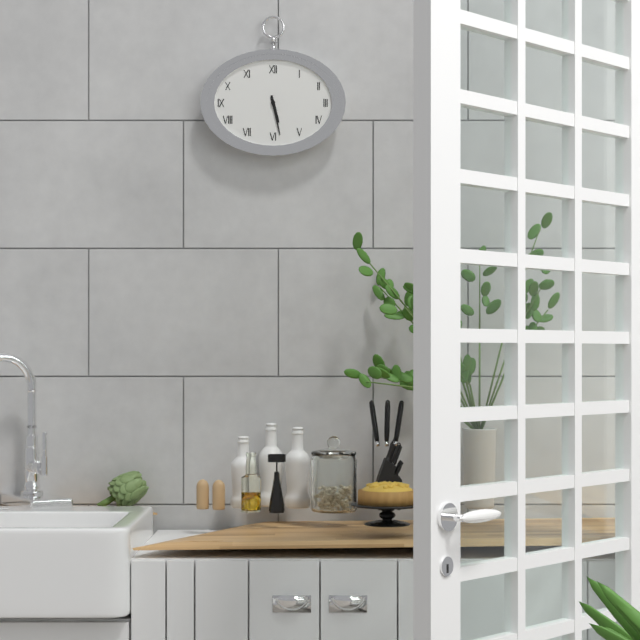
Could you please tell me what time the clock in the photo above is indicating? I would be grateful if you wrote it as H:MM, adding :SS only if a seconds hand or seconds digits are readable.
5:28
